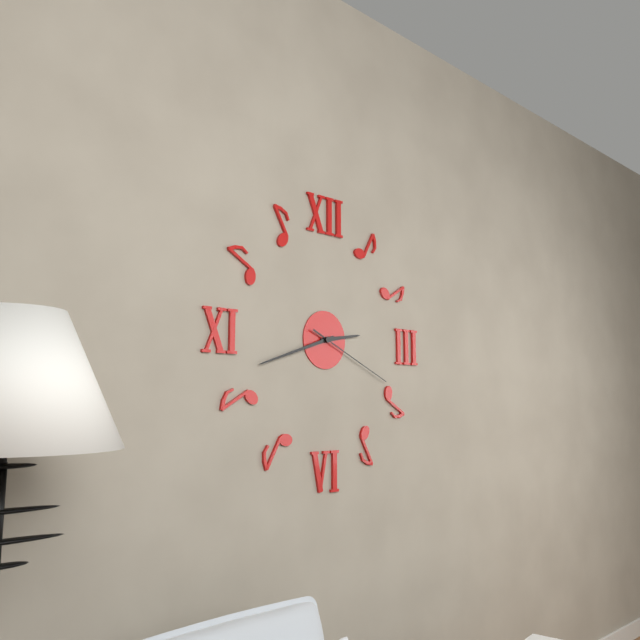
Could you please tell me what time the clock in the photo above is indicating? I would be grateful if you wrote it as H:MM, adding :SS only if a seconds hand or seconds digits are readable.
2:42:19
